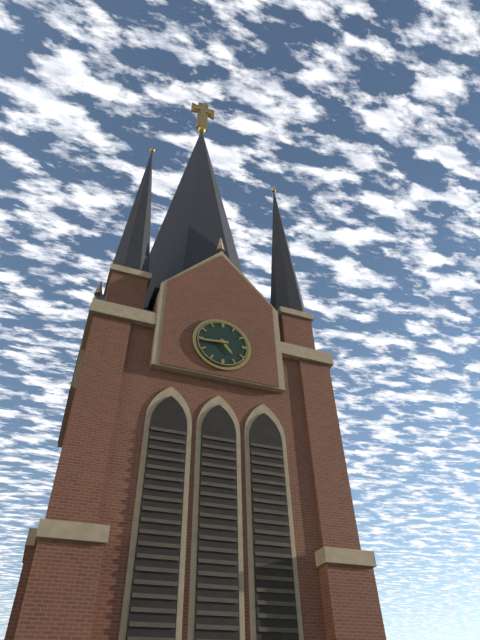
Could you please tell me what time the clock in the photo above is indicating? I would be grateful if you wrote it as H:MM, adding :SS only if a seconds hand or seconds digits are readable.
4:44
